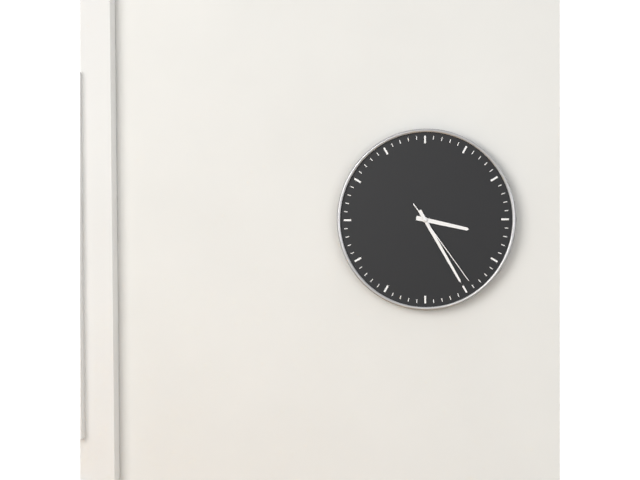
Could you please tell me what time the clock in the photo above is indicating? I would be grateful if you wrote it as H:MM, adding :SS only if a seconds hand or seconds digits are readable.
3:25:24
